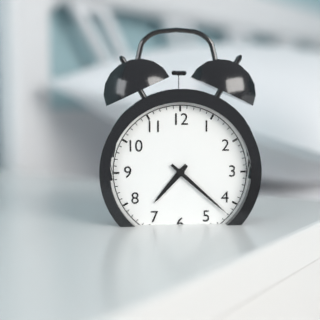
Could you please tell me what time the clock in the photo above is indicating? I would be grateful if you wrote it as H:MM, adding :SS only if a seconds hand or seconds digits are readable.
7:22
